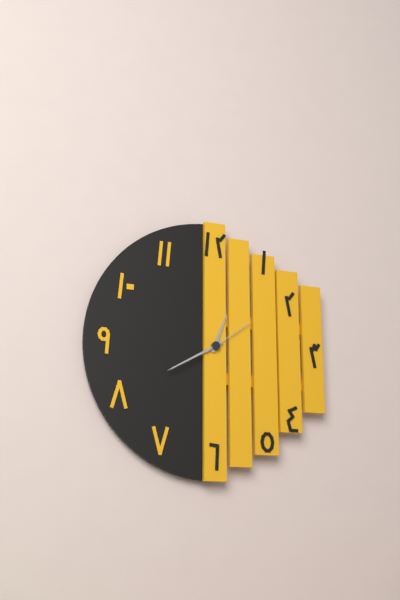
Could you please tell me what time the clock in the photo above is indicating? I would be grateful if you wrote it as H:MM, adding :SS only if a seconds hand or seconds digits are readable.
12:40:09
